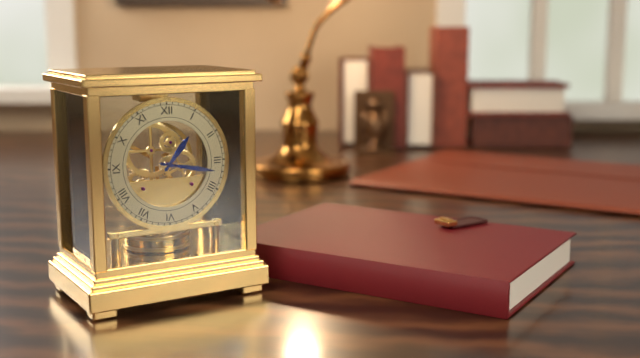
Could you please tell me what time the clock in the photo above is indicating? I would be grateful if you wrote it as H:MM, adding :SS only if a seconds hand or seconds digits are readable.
1:17
